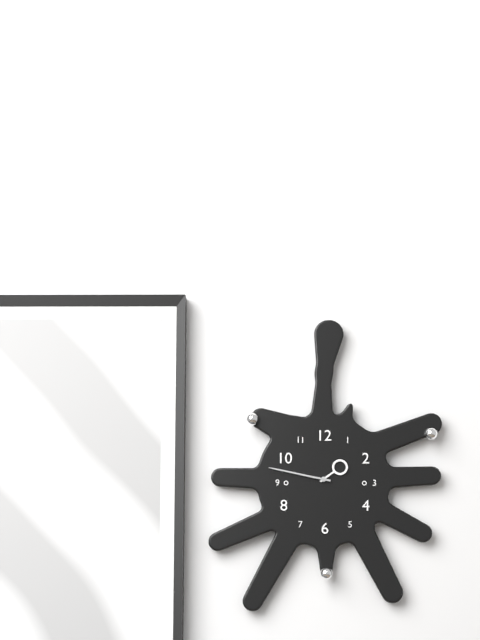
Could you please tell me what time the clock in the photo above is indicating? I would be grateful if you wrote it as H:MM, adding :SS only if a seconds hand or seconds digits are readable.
1:47
